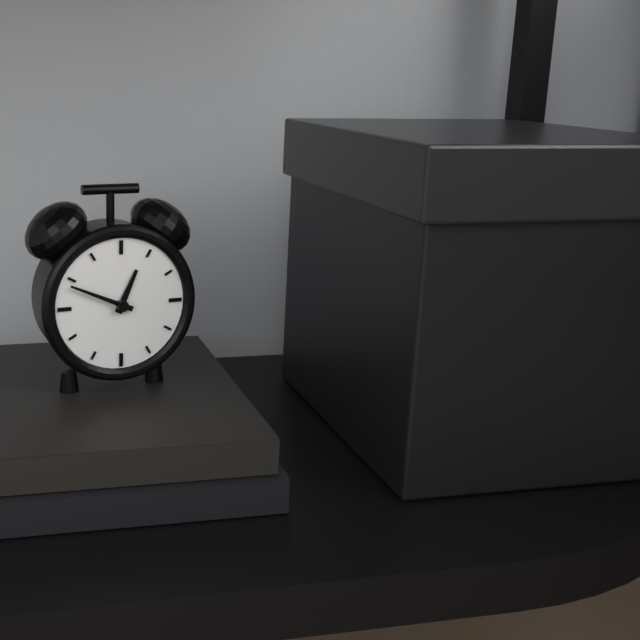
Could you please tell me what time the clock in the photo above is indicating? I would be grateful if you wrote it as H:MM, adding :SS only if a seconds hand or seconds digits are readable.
12:49
